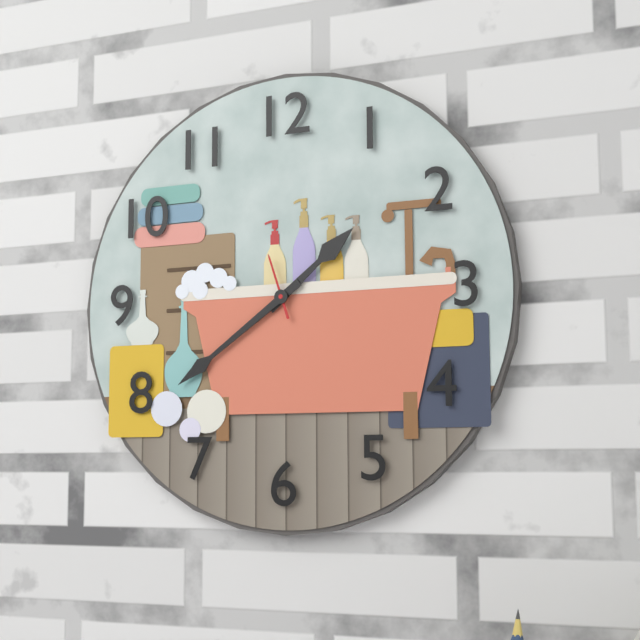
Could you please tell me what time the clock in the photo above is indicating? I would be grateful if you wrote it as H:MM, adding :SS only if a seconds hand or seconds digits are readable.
1:39:57
